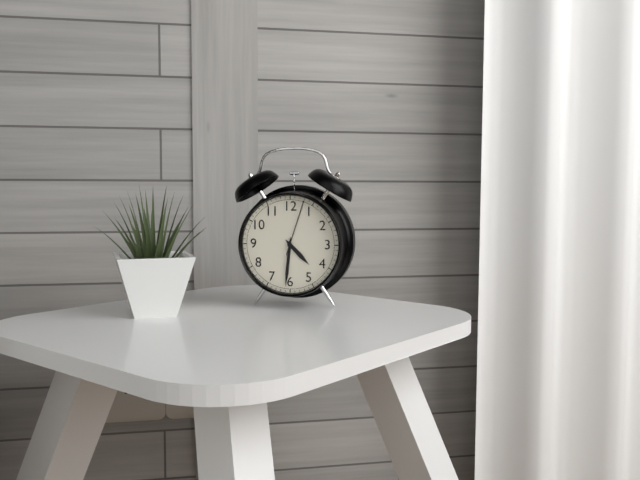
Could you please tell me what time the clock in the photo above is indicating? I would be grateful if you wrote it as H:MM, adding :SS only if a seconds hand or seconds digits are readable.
4:31:03
